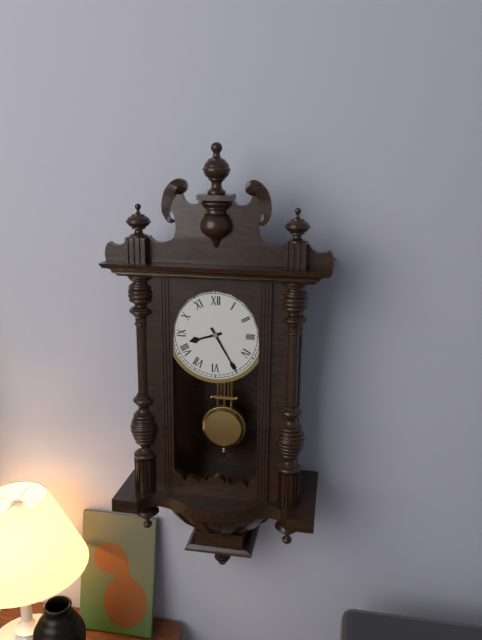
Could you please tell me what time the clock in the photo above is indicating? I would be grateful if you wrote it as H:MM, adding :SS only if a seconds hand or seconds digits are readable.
8:25
